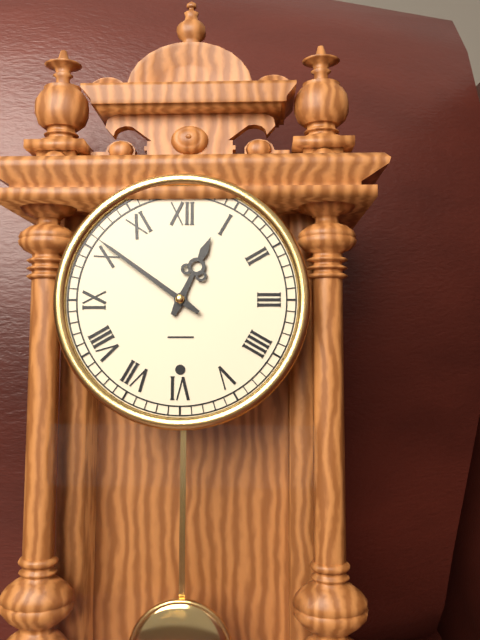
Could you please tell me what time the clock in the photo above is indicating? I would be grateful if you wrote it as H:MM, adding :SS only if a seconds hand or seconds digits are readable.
12:51
